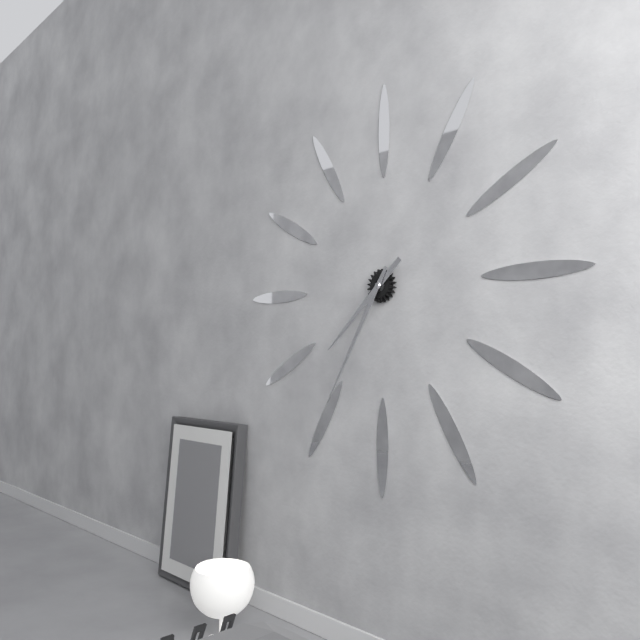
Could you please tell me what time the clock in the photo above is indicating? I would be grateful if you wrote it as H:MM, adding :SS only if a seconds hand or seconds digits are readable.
7:35
